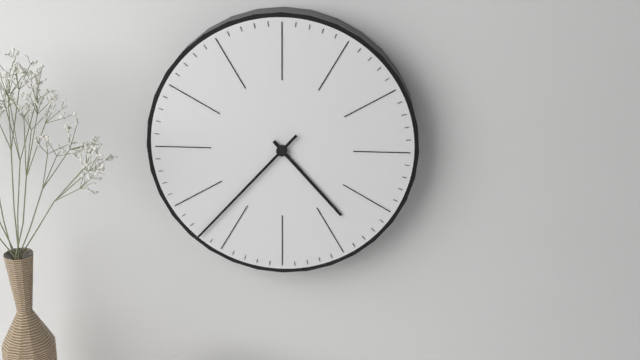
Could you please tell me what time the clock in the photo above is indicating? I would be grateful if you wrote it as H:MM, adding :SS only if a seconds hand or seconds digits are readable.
4:37
